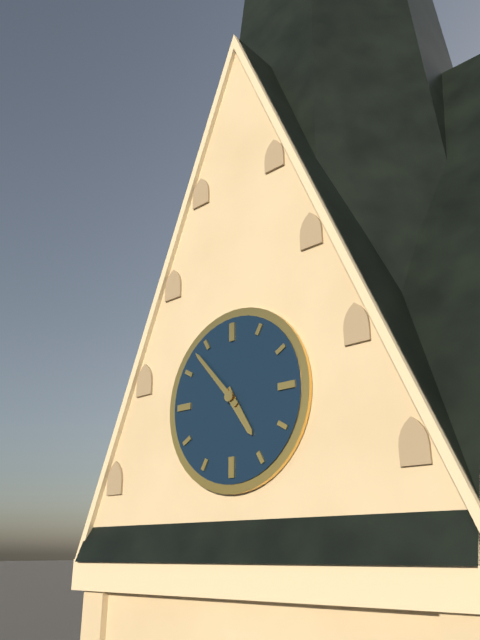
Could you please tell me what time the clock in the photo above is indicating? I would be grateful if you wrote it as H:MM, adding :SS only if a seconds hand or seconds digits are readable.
4:53
